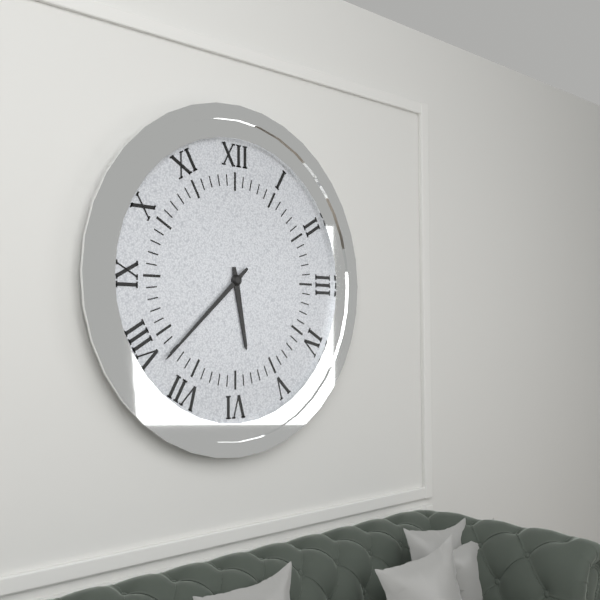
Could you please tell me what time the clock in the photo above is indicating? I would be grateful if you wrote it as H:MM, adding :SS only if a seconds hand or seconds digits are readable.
5:38
